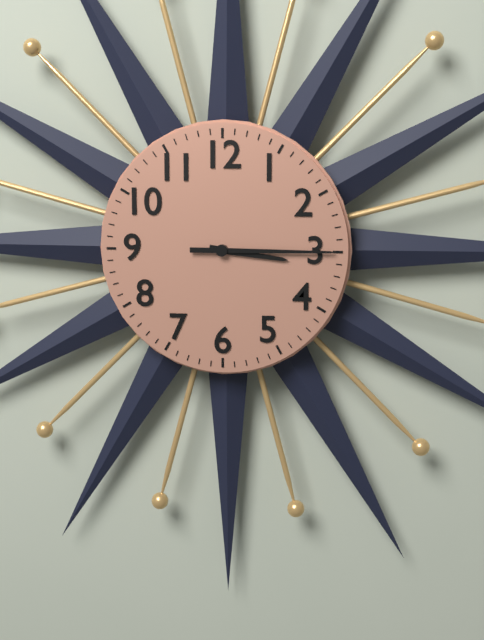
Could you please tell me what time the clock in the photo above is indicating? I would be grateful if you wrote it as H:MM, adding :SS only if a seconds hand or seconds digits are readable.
3:15
